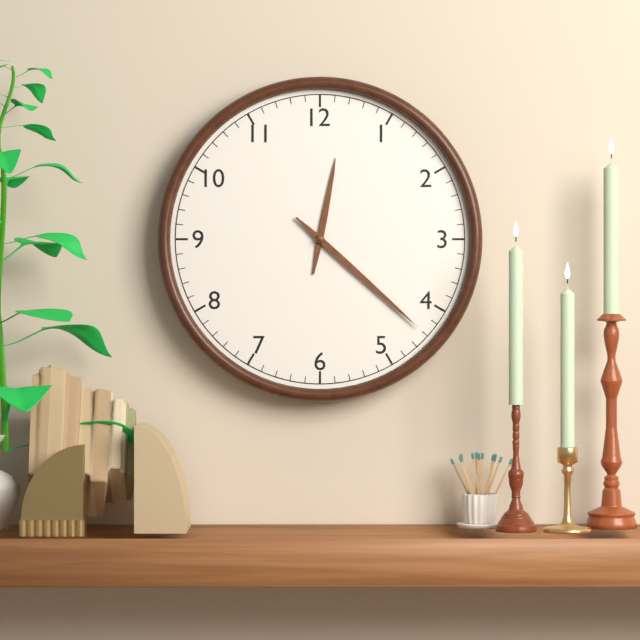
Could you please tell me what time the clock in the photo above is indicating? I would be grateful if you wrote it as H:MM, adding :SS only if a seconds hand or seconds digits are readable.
12:22
